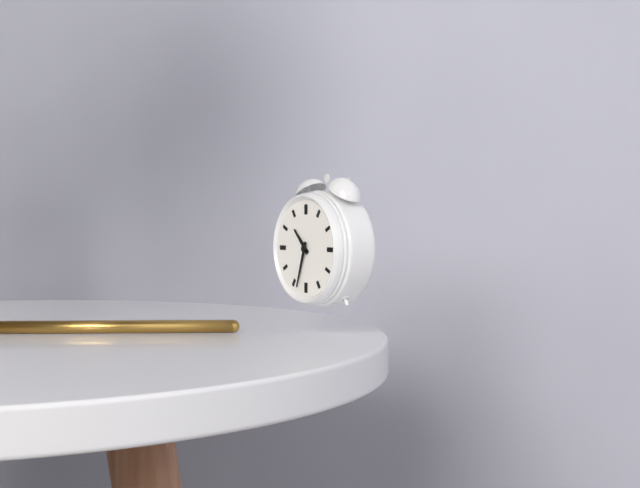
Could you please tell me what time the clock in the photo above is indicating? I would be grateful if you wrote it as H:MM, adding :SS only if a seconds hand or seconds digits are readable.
10:33
